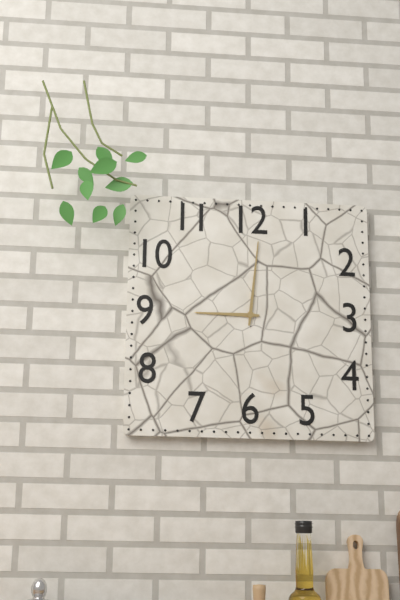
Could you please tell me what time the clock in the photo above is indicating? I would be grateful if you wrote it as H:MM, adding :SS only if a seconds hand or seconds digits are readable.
9:01
